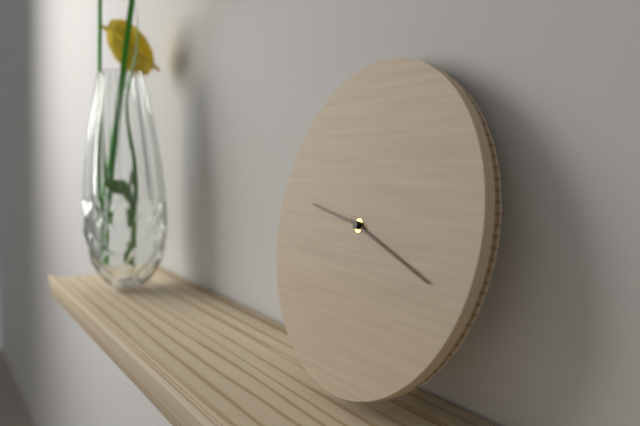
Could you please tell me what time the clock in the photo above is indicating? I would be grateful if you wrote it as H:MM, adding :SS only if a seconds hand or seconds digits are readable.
9:18
